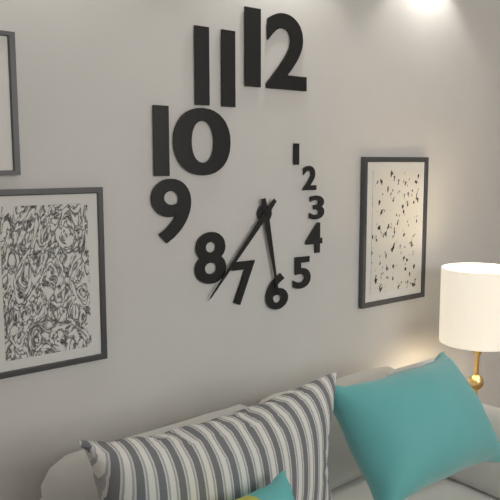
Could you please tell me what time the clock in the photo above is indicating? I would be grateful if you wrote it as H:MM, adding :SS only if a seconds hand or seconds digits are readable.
5:37
